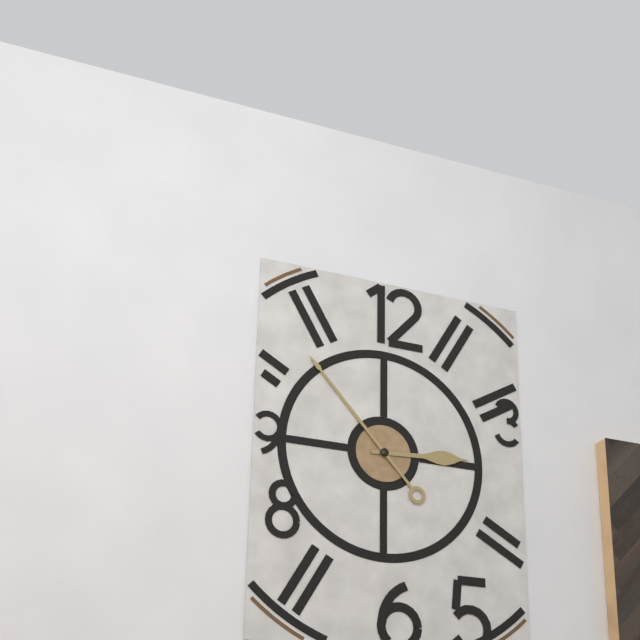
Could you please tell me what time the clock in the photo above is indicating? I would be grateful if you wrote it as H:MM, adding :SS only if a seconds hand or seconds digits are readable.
2:53
